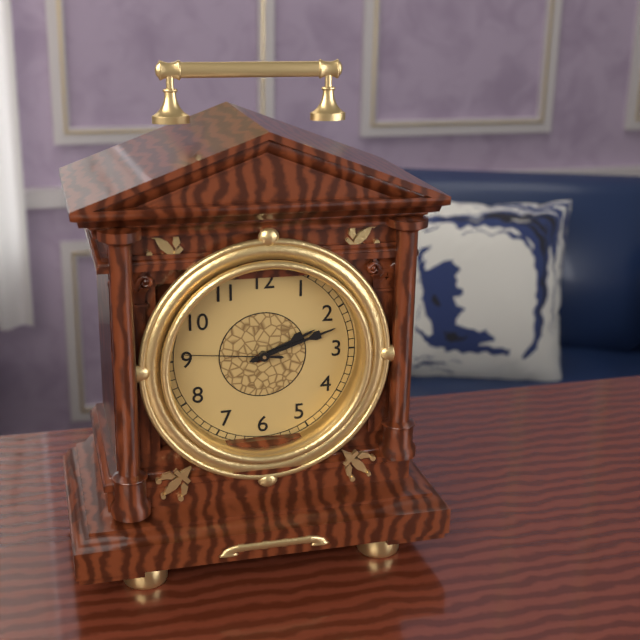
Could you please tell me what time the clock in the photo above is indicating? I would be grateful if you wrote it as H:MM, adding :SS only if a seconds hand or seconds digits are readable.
2:12:46
